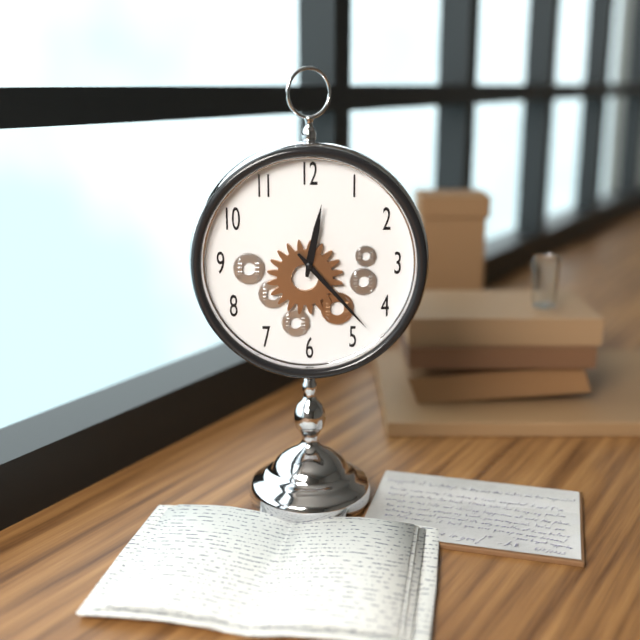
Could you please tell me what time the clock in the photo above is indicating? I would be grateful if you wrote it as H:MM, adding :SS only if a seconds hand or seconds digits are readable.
12:23
